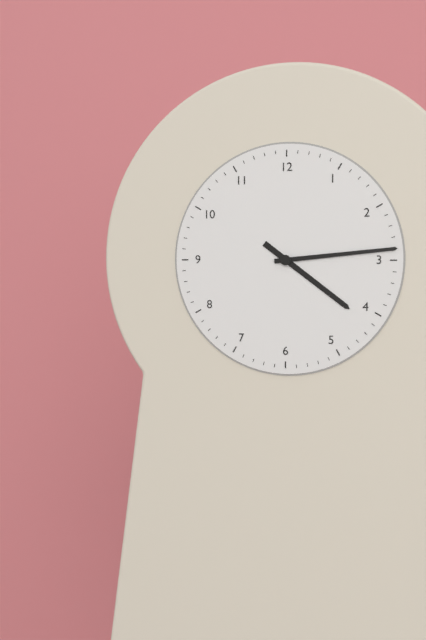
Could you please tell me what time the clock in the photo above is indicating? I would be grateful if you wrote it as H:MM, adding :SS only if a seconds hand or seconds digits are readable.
4:14
